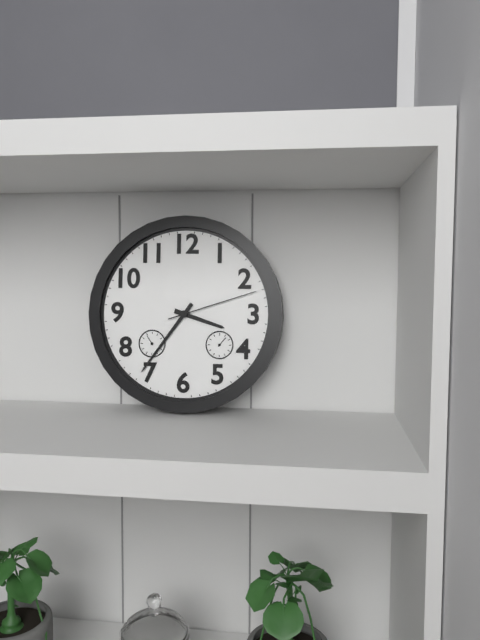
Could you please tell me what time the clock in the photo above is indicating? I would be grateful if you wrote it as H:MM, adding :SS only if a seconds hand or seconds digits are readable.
3:36:12
